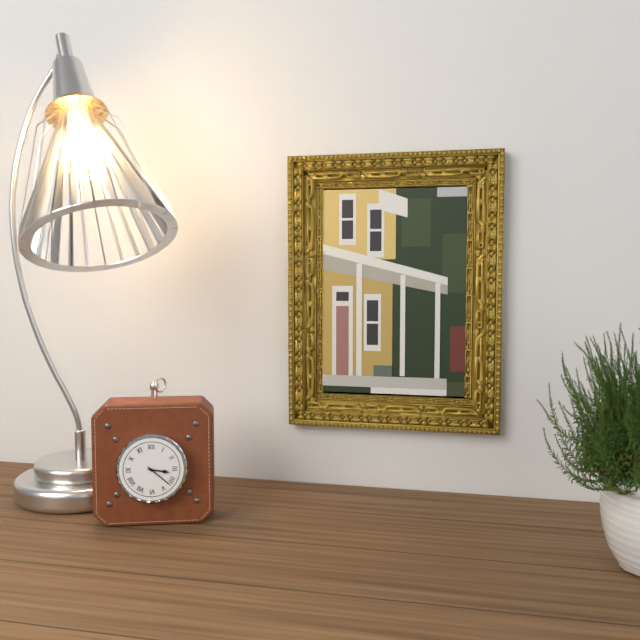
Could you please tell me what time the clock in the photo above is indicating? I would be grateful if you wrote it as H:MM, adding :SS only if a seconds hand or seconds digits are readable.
3:22
